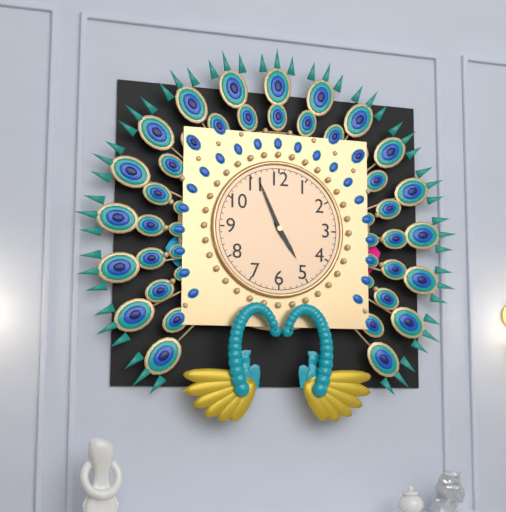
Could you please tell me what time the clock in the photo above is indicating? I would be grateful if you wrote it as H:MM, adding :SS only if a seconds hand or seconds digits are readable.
4:56
